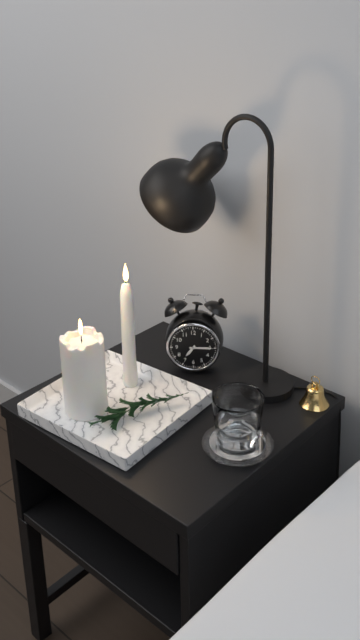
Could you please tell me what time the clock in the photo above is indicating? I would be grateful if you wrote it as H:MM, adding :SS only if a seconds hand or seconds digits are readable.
7:15
